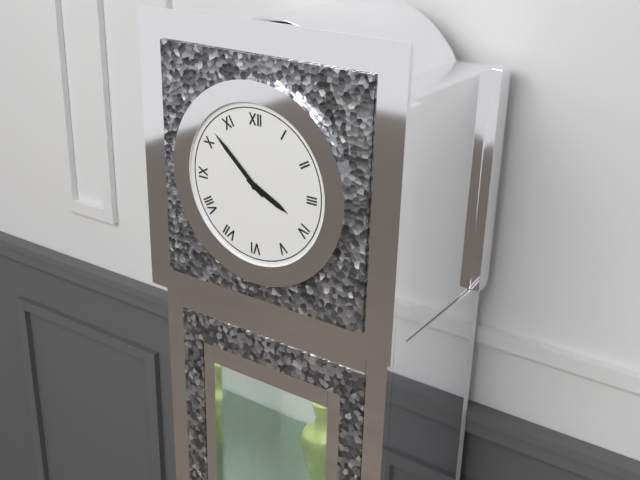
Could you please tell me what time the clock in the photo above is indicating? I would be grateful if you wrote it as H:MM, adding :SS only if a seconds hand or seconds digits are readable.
3:52
